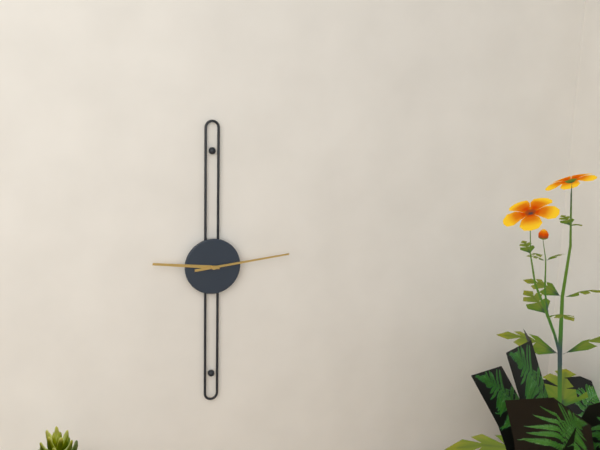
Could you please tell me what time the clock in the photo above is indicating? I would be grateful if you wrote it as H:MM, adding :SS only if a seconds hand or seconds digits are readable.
9:14
